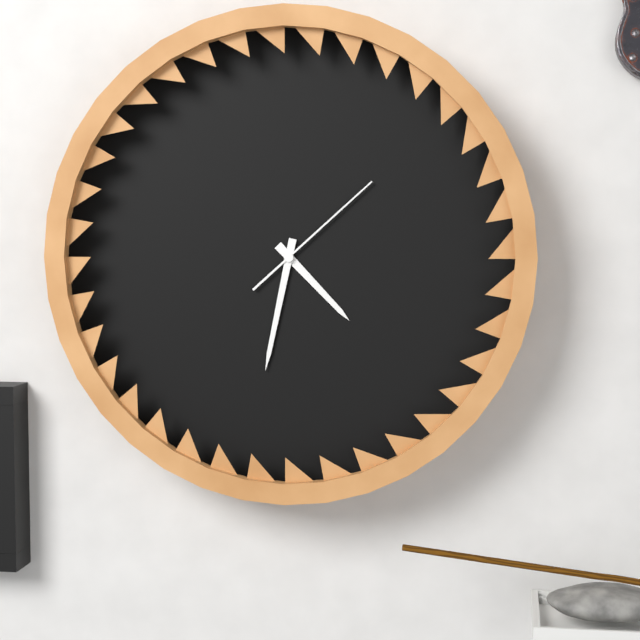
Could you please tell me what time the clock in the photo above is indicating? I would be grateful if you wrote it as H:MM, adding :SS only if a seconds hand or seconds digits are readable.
4:32:08
